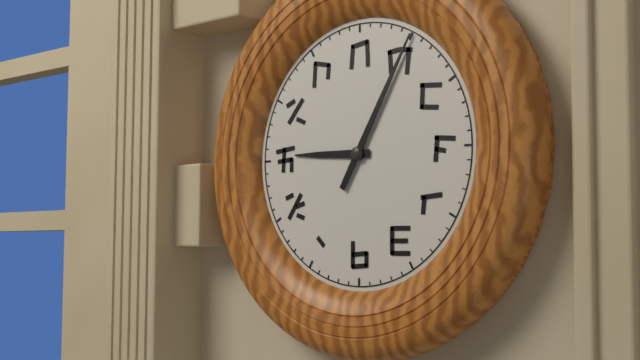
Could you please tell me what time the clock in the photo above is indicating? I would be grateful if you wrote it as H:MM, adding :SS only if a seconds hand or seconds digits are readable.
9:05
